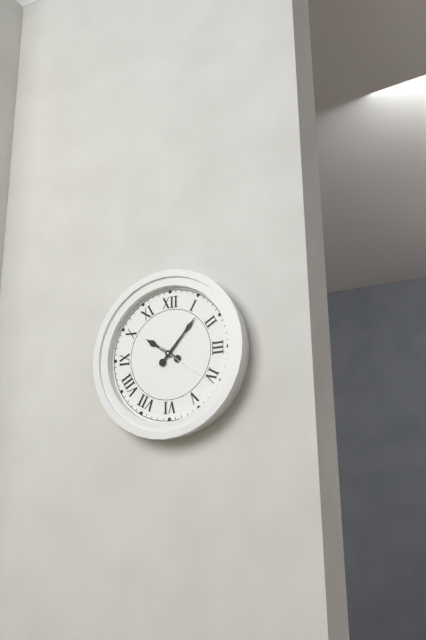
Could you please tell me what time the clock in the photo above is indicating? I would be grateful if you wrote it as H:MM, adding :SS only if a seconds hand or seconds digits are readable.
10:07:21
